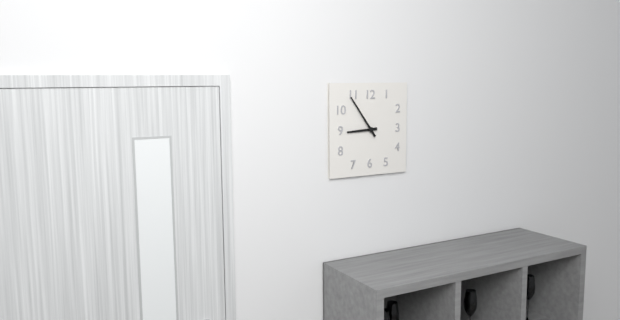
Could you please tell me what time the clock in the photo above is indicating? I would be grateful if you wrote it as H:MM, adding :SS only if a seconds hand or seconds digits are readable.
8:54
